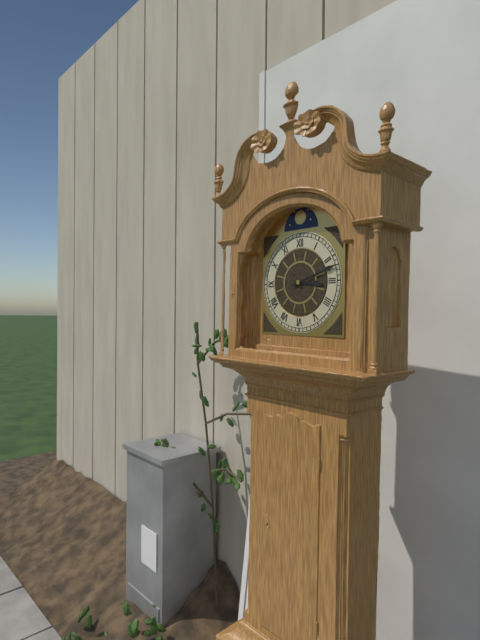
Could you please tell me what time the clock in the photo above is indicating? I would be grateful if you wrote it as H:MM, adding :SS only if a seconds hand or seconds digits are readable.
3:12
